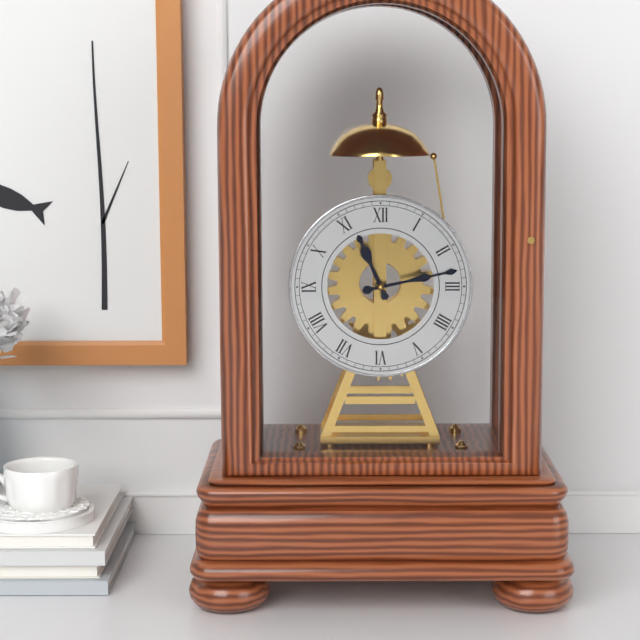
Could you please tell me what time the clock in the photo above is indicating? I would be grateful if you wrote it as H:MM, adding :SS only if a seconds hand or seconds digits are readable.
11:13
